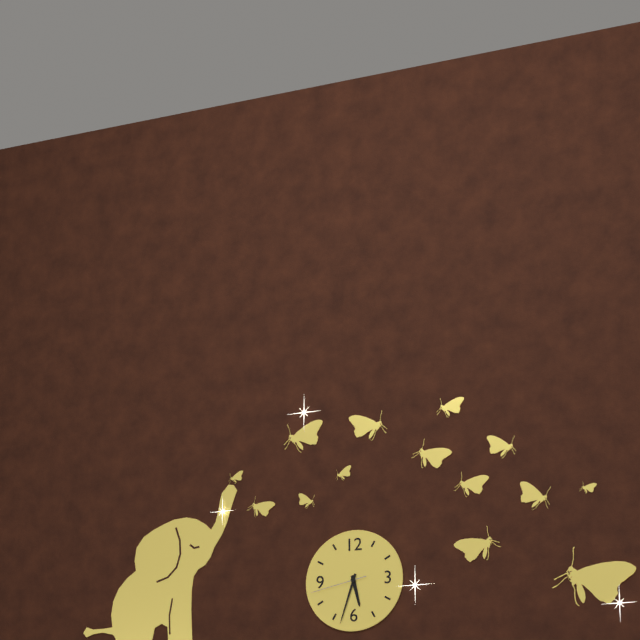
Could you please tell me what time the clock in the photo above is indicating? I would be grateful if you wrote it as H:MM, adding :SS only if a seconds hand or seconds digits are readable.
5:33:43
